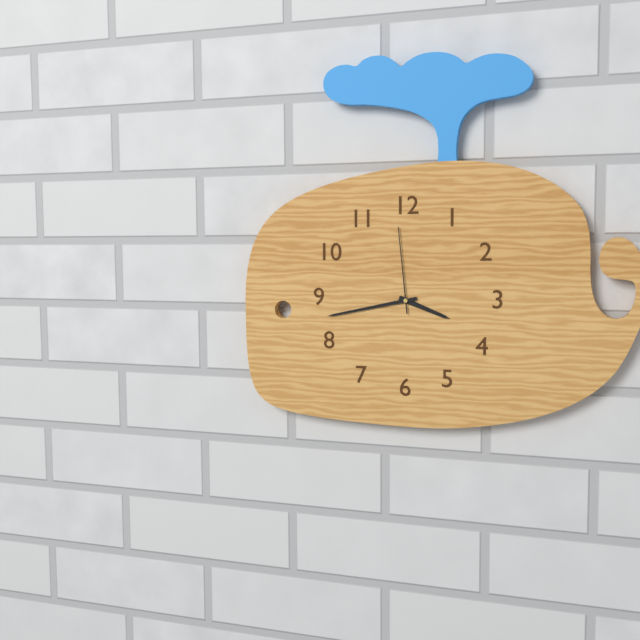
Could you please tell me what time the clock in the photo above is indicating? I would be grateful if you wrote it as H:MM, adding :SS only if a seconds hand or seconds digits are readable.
3:43:59
